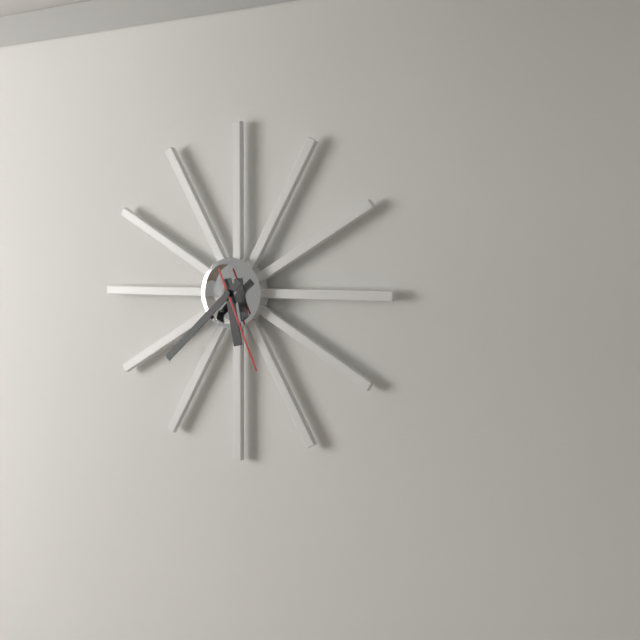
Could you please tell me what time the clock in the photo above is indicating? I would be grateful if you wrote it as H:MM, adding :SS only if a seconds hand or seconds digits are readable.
5:38:26
